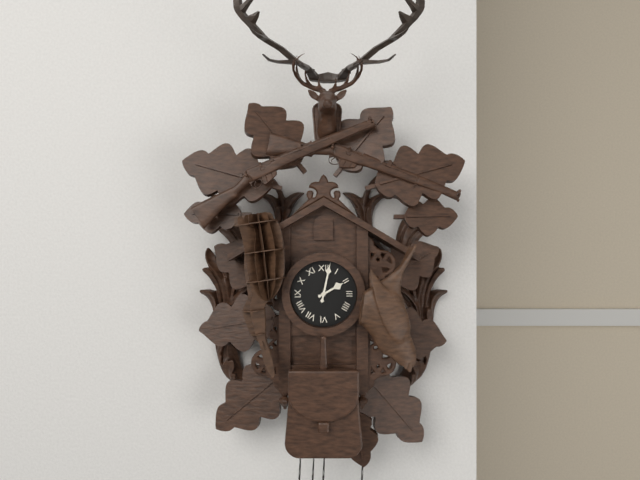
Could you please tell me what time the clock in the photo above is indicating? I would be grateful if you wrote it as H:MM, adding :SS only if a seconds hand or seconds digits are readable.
2:02
